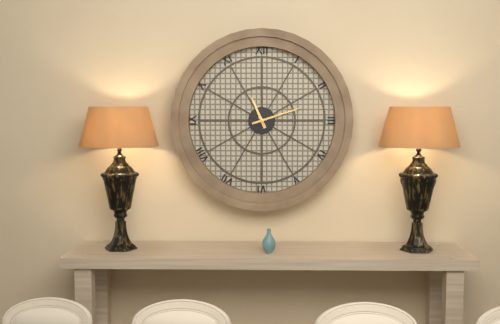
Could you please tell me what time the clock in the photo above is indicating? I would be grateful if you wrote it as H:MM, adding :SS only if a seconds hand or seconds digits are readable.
11:12
